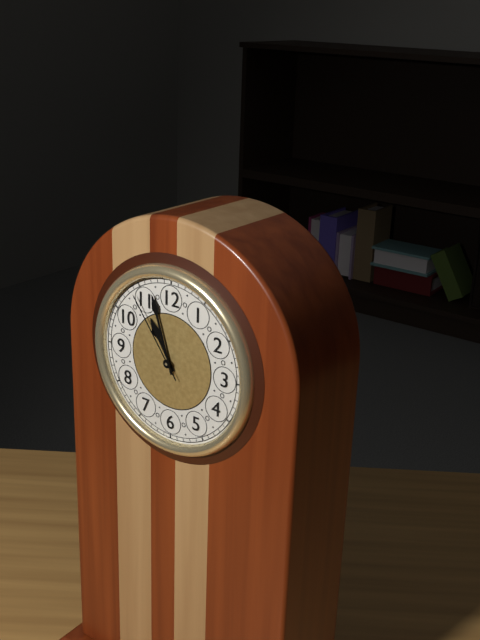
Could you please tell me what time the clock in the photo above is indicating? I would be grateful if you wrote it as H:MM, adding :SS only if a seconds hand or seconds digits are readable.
10:57:54
